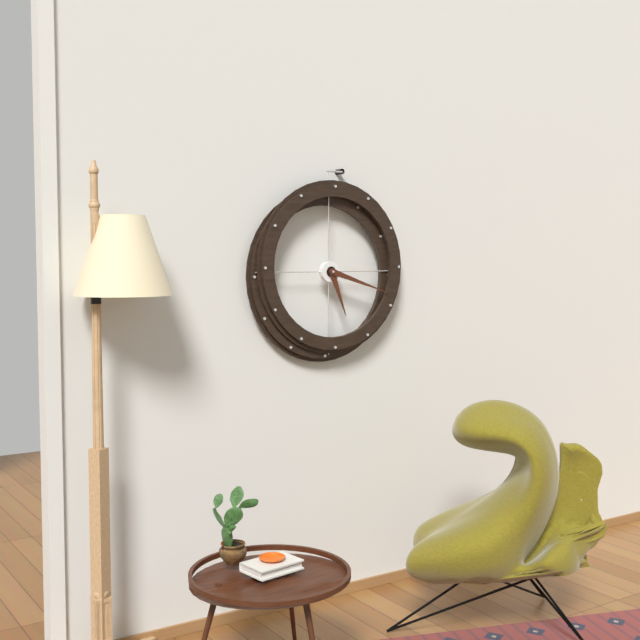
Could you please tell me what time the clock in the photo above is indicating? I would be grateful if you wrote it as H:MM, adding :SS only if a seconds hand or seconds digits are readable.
5:18
